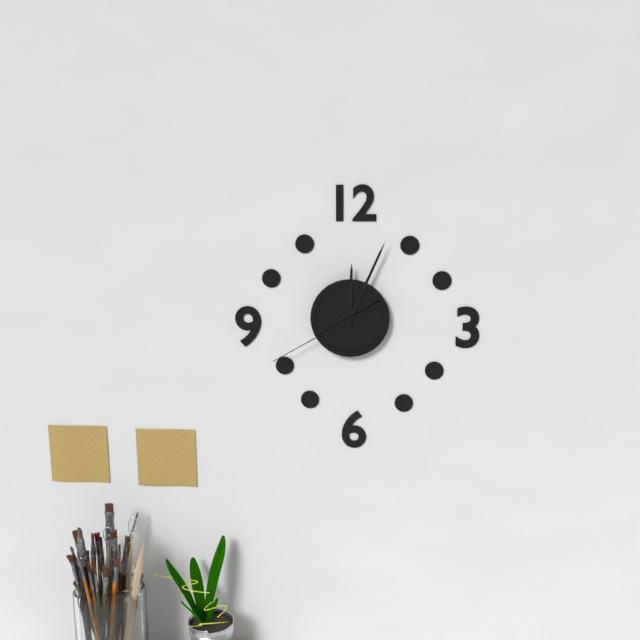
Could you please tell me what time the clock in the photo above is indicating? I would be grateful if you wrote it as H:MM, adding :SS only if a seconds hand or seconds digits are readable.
12:04:40
